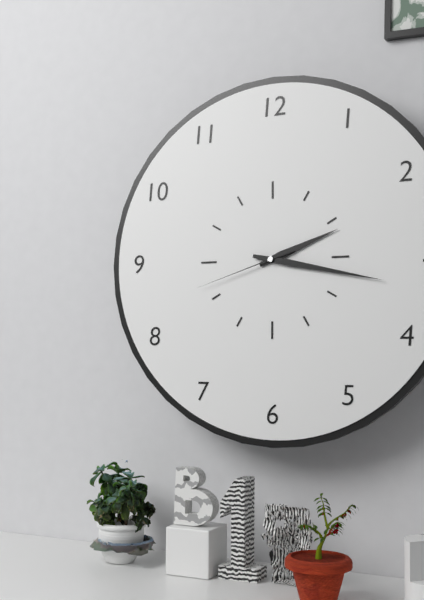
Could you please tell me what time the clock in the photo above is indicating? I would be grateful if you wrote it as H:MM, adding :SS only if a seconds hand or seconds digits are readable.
2:17:42
